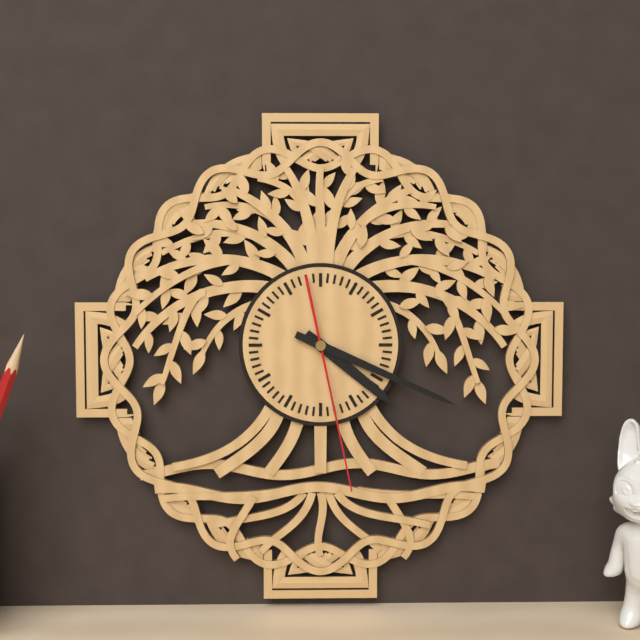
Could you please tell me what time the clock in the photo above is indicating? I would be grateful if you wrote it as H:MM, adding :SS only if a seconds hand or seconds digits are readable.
4:19:28
